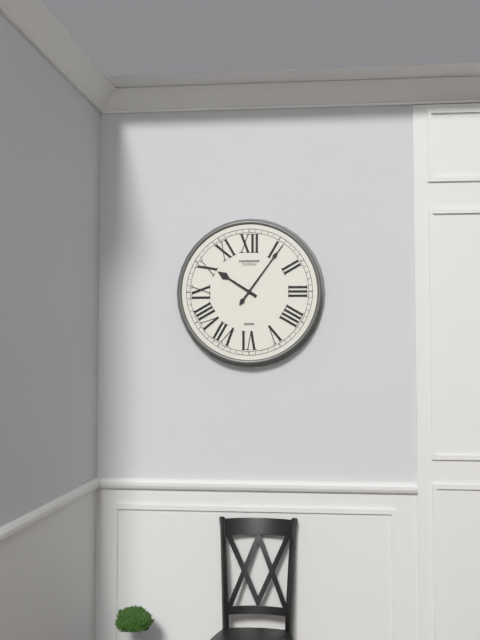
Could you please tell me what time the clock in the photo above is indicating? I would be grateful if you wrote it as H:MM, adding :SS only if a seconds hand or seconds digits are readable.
10:06
